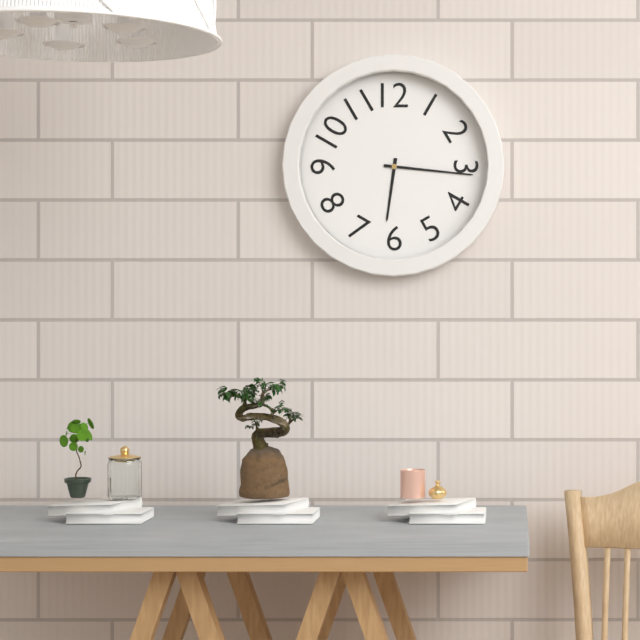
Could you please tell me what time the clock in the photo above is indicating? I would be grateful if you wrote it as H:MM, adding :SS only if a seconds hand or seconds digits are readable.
6:16
